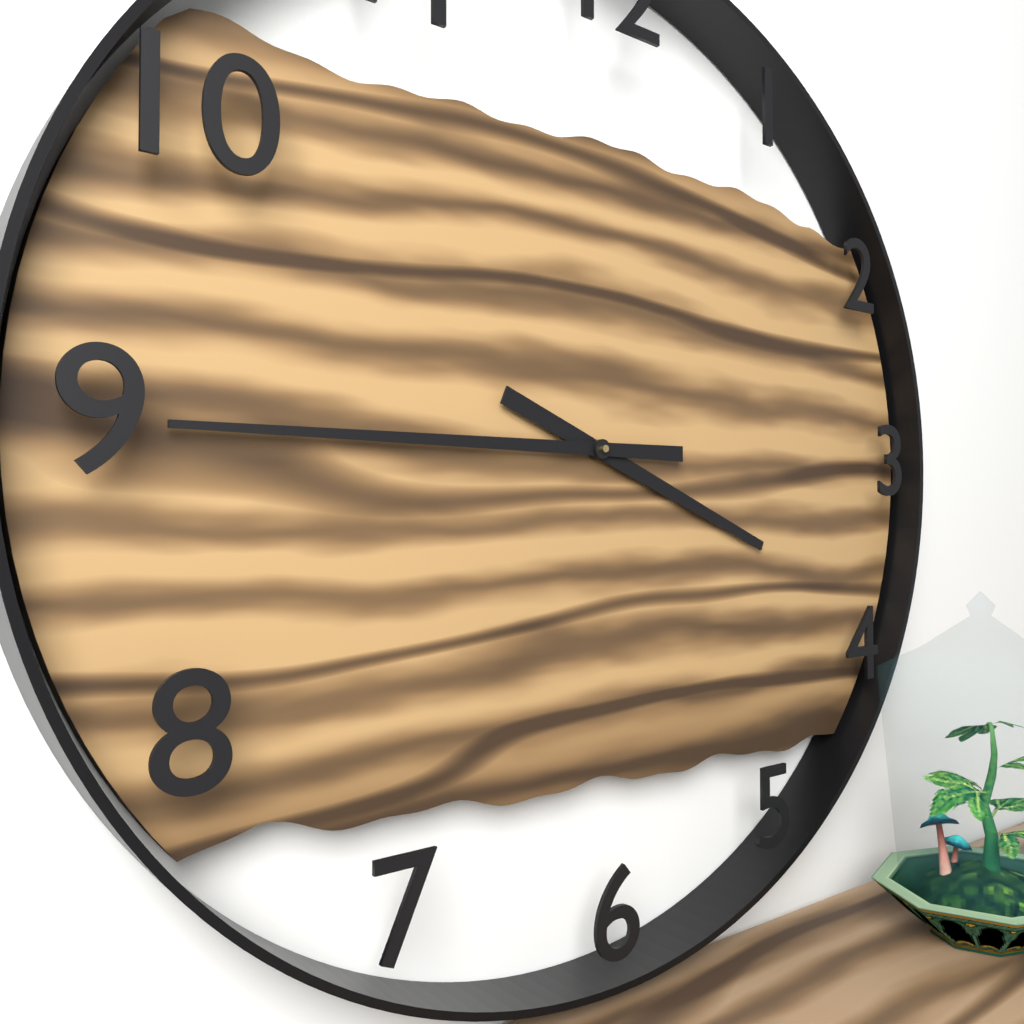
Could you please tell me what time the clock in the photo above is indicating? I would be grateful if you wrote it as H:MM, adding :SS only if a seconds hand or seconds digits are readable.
3:45
